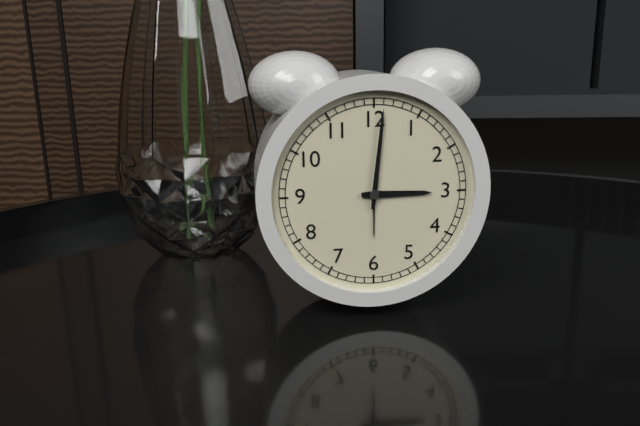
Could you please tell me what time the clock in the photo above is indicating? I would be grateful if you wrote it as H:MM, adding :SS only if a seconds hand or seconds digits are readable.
3:01
